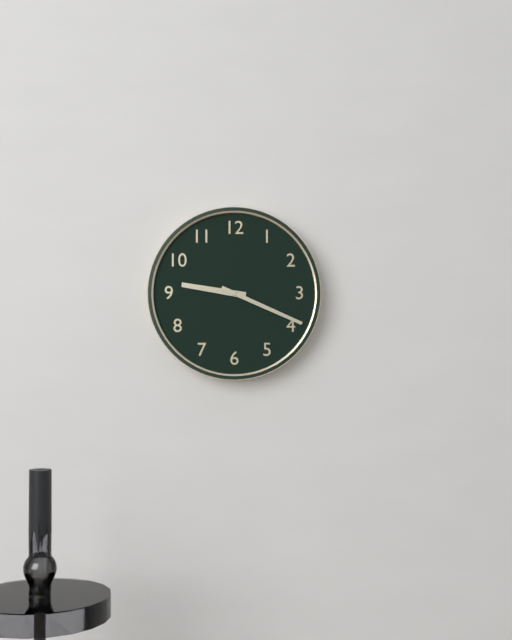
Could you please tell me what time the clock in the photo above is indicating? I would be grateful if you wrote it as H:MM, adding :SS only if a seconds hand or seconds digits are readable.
9:19
